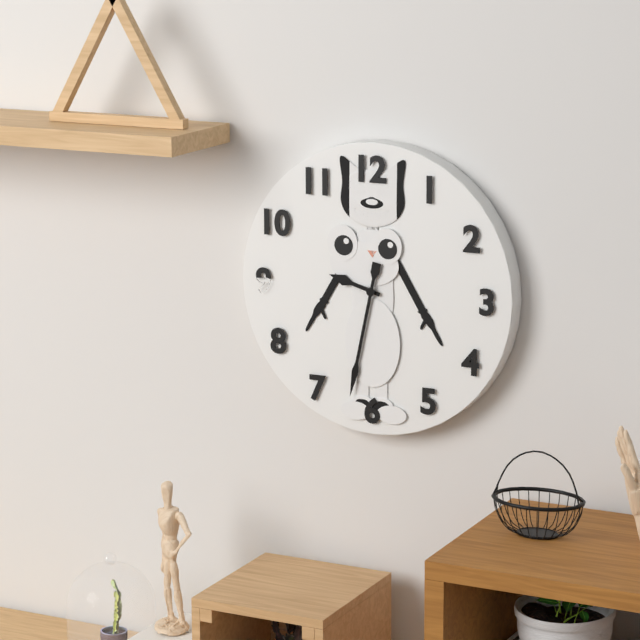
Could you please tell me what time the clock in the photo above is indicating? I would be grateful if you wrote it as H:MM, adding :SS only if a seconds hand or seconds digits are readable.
9:32
